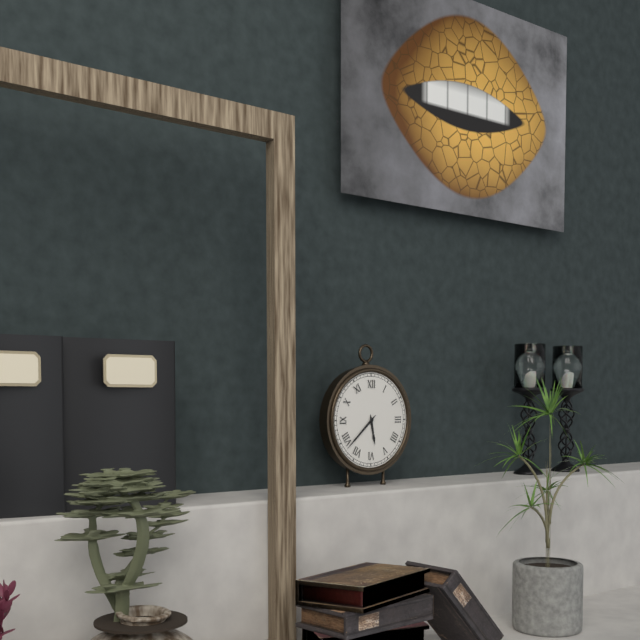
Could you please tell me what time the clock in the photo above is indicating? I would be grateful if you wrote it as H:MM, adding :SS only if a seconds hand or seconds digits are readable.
5:38
